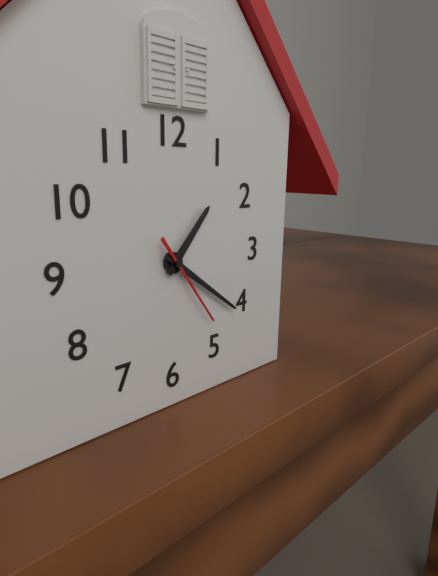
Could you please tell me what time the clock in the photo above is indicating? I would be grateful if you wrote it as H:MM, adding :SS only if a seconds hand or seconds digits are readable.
1:21:24
